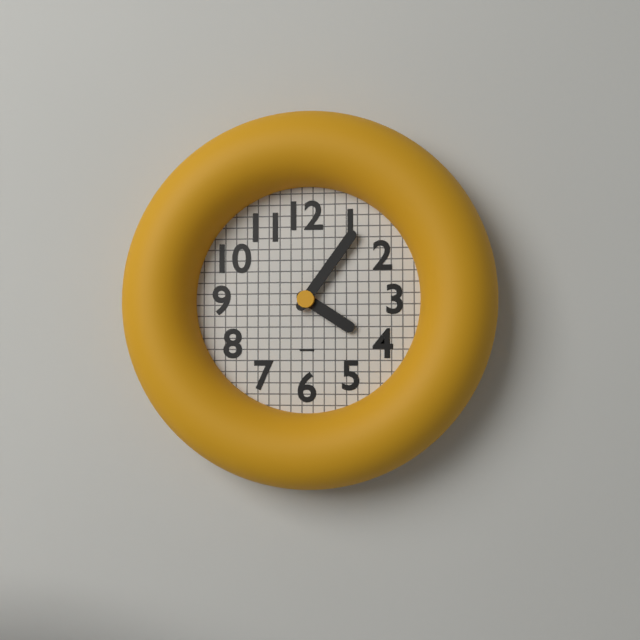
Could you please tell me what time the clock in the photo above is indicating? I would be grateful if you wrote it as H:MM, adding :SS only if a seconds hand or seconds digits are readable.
4:06
